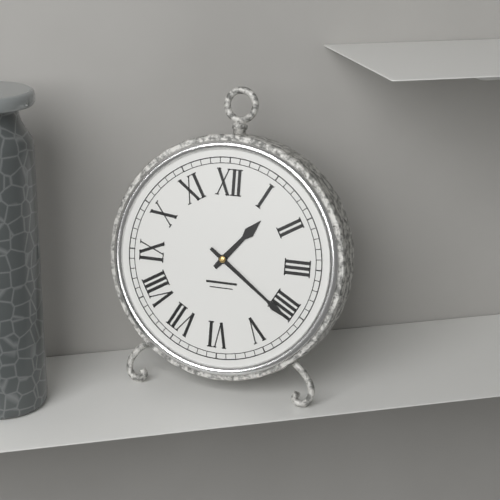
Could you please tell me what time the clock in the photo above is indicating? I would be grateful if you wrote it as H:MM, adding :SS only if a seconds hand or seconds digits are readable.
1:21
